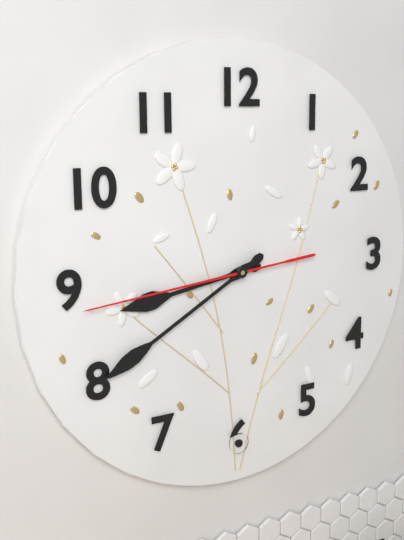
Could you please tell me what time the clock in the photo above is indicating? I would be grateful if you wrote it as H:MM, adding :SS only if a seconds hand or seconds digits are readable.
8:40:44
